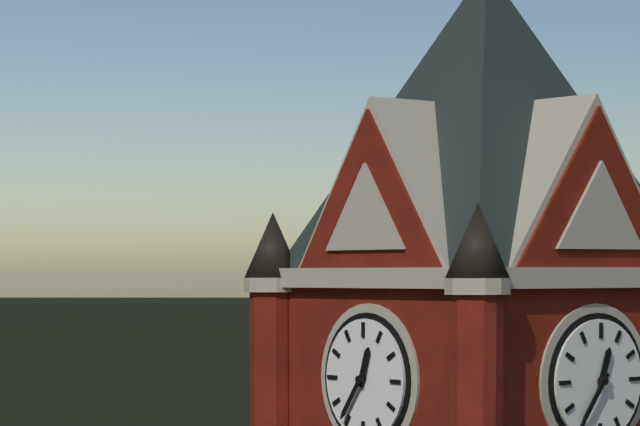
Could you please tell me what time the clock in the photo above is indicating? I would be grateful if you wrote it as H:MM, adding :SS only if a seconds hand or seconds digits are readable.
12:36
